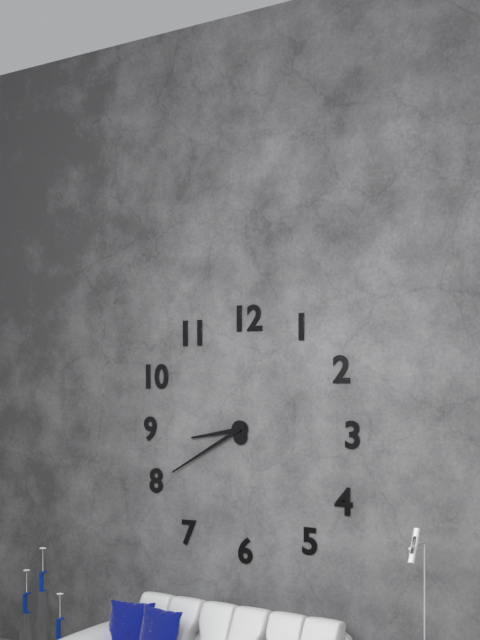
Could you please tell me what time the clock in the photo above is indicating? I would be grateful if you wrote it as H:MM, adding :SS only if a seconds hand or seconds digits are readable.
8:40
